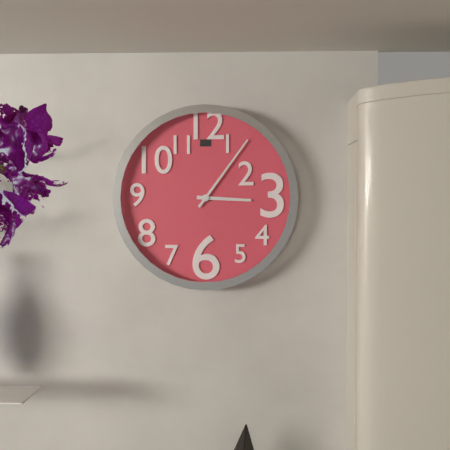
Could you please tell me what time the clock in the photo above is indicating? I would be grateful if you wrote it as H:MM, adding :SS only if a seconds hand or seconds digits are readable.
3:06
